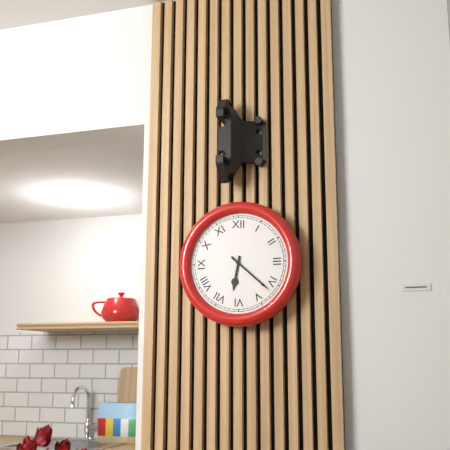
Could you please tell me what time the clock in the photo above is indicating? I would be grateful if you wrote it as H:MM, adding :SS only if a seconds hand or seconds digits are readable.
6:22
